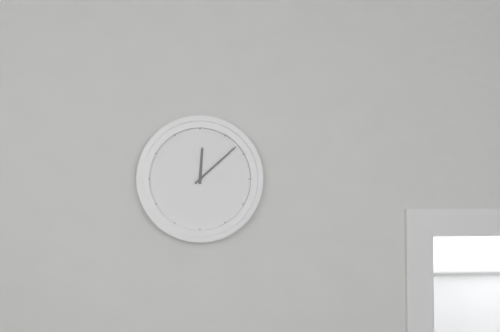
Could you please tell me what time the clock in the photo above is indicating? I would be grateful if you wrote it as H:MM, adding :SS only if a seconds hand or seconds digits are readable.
12:08
